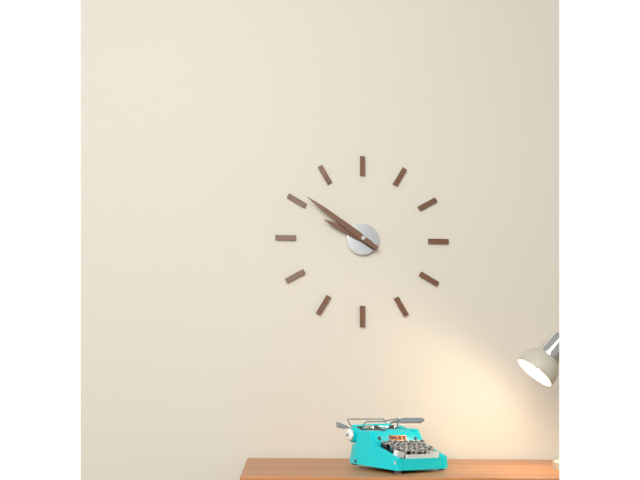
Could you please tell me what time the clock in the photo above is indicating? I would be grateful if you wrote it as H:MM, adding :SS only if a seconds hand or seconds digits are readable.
9:51
